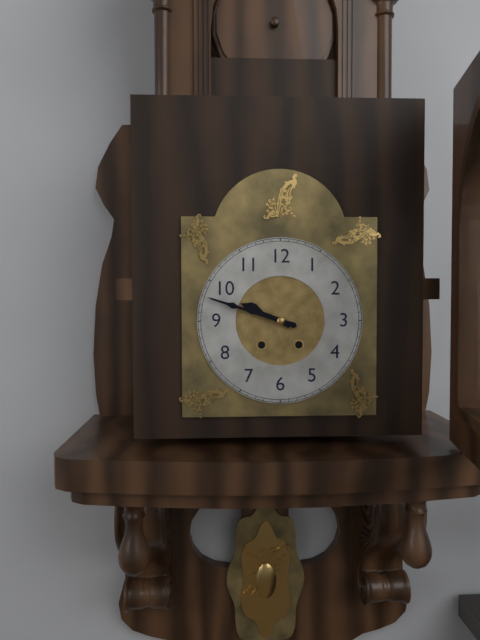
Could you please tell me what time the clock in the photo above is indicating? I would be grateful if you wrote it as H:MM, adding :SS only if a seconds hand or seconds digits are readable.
9:48
